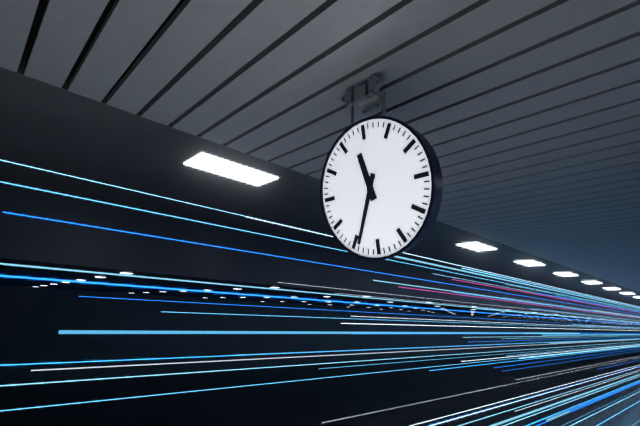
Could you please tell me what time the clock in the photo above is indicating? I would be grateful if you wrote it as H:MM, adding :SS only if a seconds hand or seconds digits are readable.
11:34
